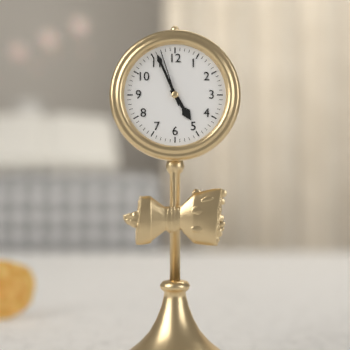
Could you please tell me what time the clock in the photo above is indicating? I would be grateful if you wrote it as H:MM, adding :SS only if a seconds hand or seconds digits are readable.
4:56:57
